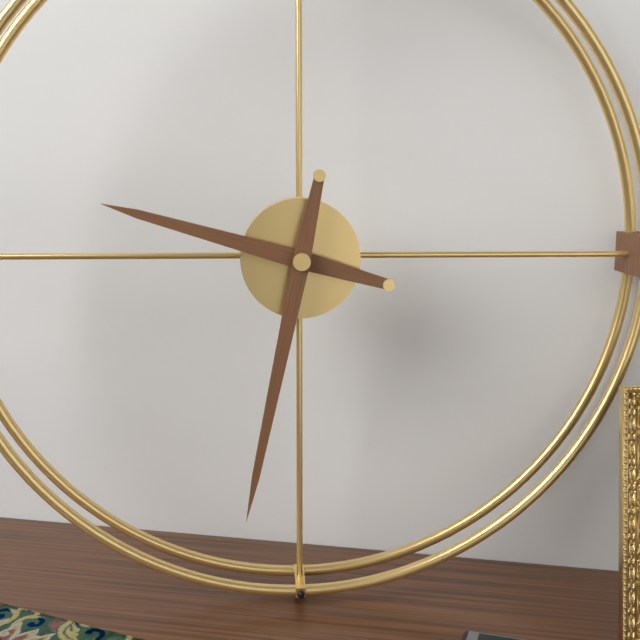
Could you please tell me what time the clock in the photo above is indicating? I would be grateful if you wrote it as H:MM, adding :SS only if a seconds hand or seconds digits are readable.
9:32
